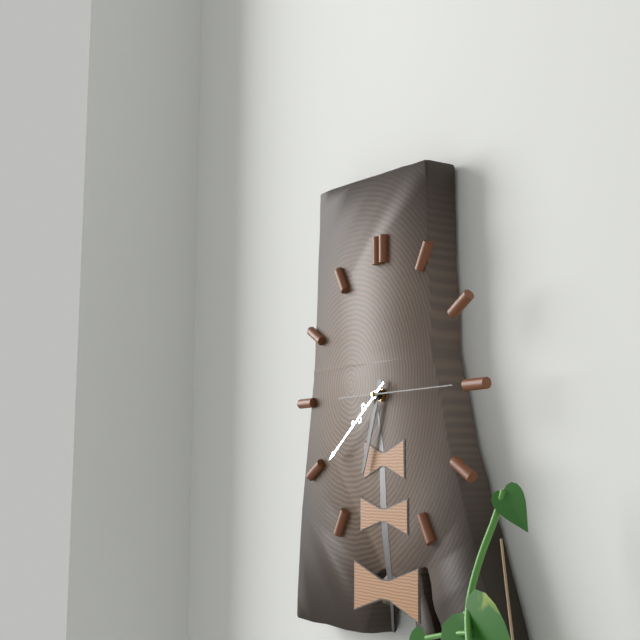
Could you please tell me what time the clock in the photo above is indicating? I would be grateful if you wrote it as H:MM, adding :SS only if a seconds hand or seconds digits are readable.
6:39:15
